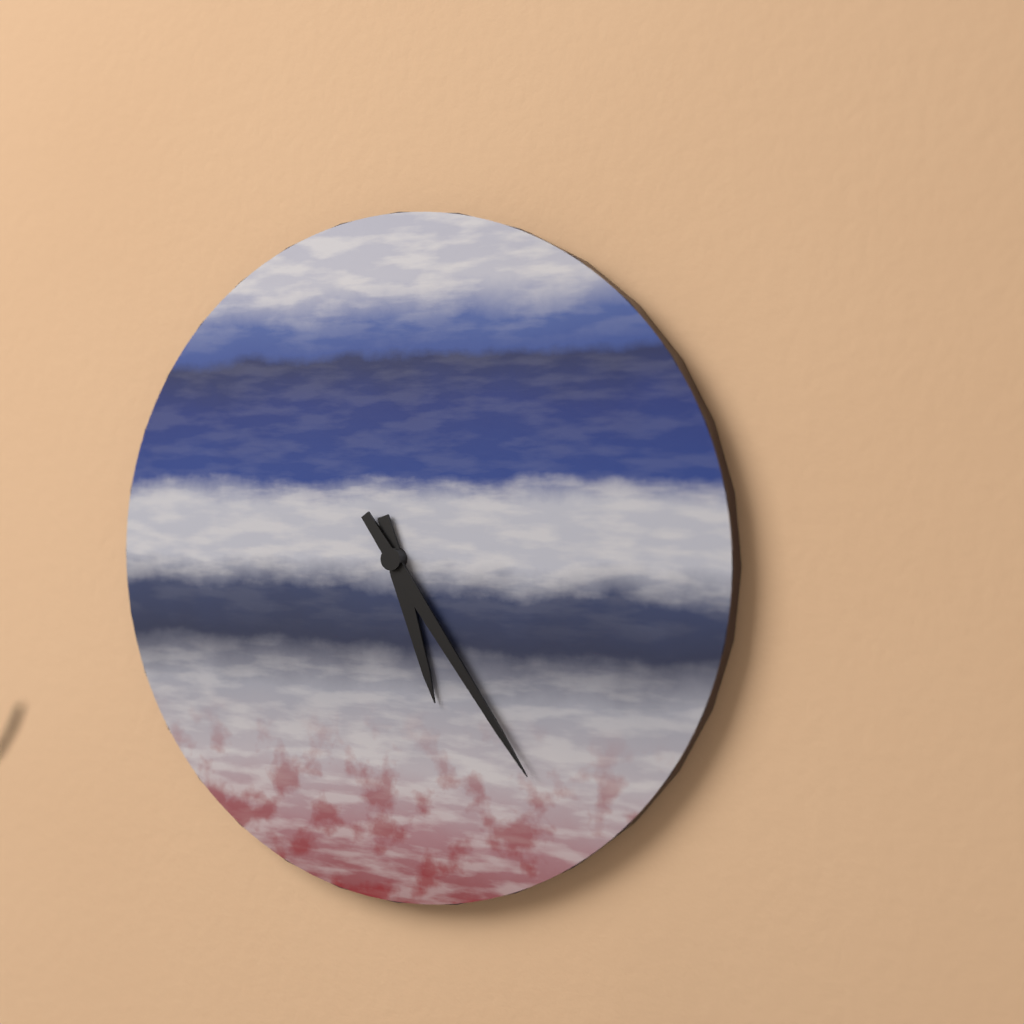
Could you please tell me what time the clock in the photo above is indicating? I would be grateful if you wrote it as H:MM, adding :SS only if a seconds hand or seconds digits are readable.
5:24
